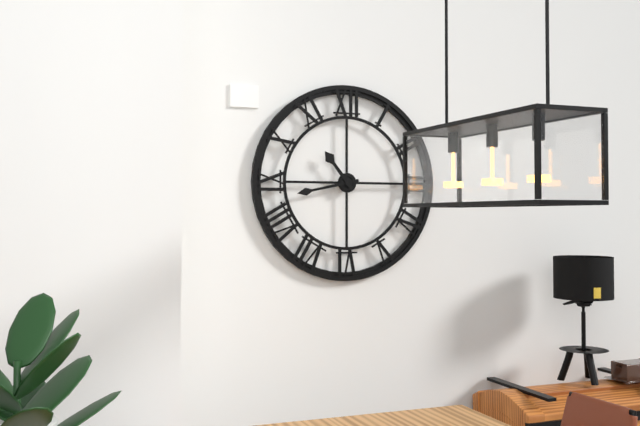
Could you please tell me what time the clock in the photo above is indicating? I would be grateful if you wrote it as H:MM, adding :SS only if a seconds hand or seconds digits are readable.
10:43
